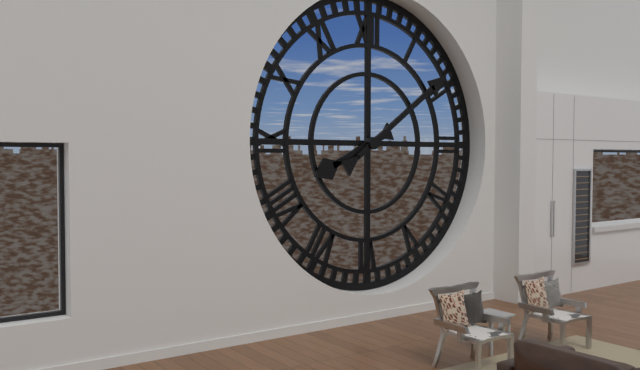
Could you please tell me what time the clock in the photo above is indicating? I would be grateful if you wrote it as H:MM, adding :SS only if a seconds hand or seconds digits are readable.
8:09
